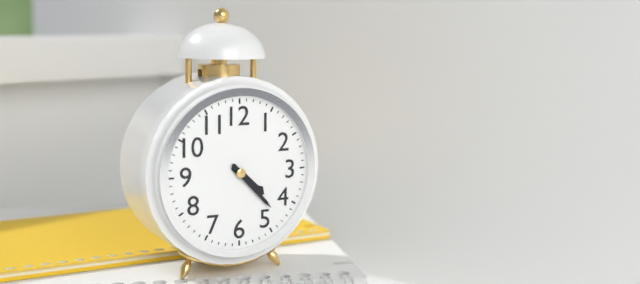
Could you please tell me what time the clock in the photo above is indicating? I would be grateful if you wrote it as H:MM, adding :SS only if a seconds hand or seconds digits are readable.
4:23
